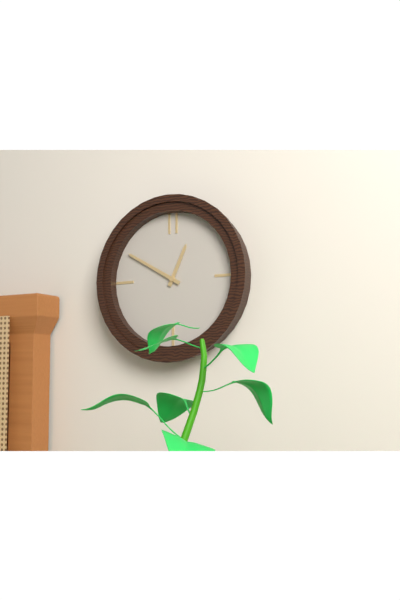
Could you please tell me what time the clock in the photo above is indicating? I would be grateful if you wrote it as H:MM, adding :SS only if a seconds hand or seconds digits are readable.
12:50
